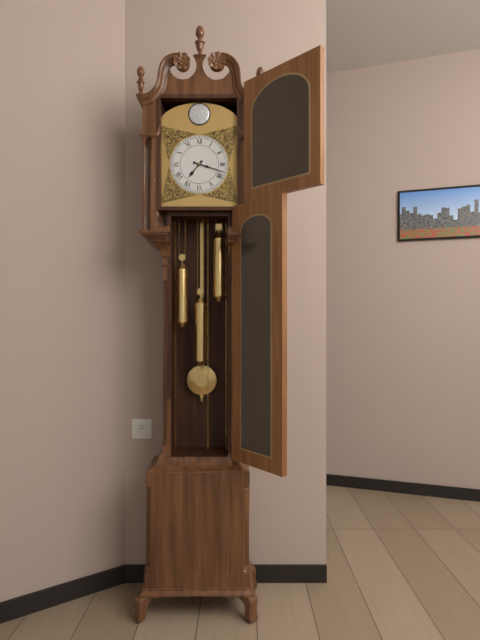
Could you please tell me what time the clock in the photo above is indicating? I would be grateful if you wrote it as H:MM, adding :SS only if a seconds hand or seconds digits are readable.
7:18
